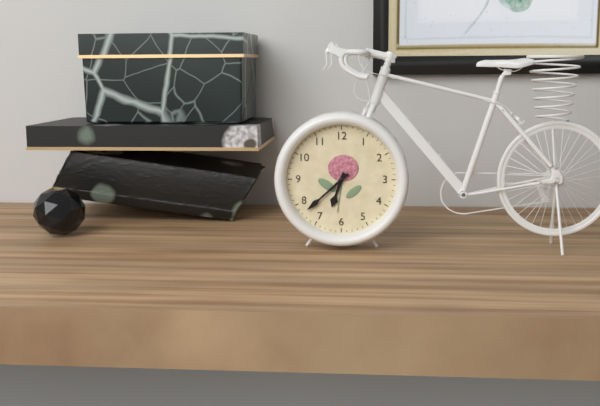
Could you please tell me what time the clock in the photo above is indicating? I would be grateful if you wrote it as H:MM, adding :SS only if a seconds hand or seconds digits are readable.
6:38
